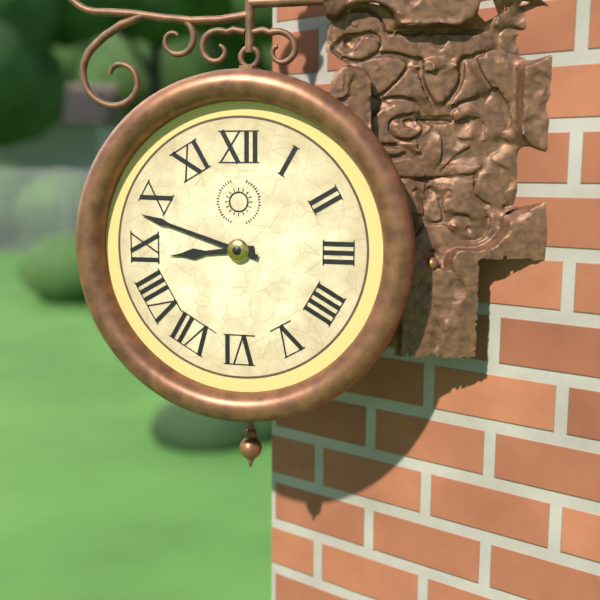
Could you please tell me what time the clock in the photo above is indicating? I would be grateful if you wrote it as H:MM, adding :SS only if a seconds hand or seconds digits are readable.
8:48
